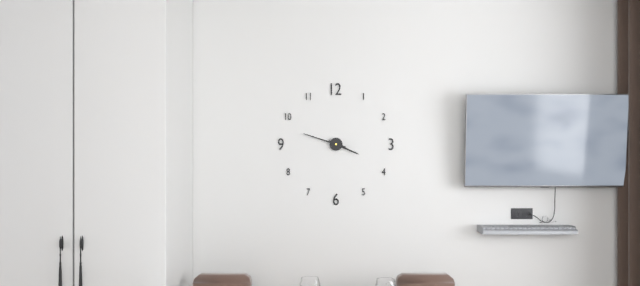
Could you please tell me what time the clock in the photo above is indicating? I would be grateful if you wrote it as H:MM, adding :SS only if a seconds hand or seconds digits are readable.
3:48
